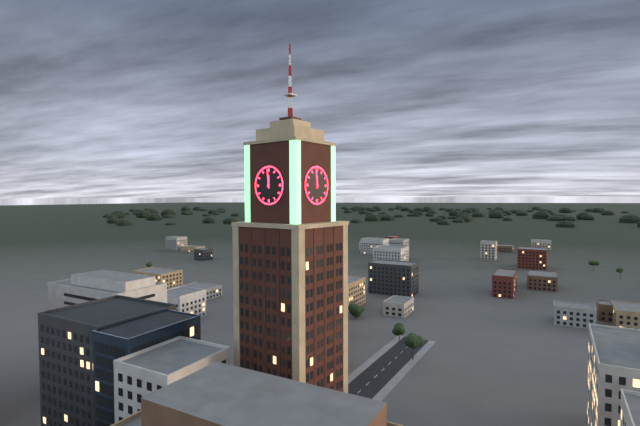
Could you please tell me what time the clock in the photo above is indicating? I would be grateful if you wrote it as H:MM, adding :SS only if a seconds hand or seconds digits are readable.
11:59
